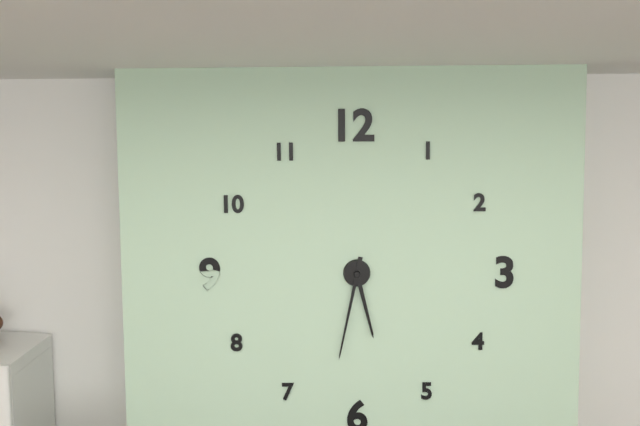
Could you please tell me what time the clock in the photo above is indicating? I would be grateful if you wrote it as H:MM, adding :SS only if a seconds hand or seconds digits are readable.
5:32
